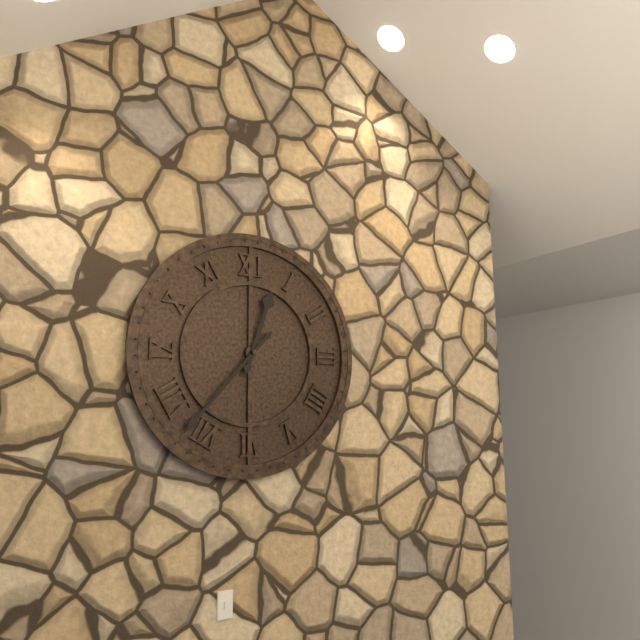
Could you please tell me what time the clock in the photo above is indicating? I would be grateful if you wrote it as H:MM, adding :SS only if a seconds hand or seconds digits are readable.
12:37
